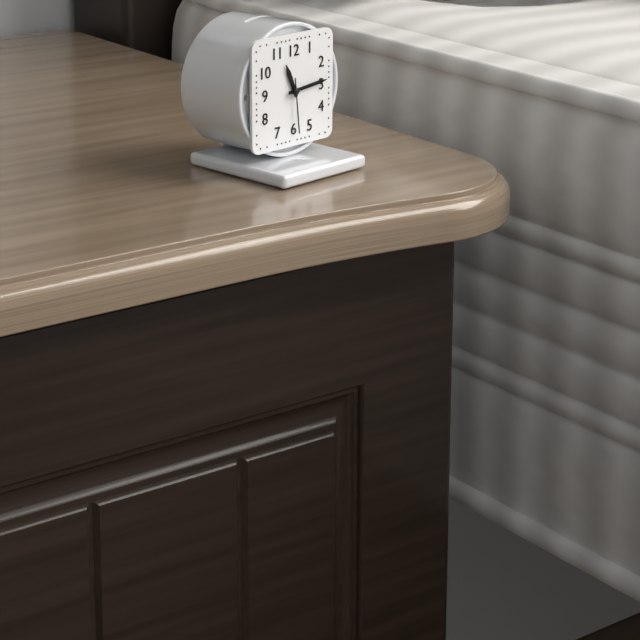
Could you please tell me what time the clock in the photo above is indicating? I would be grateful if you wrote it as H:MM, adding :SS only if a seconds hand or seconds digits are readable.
11:14:29
